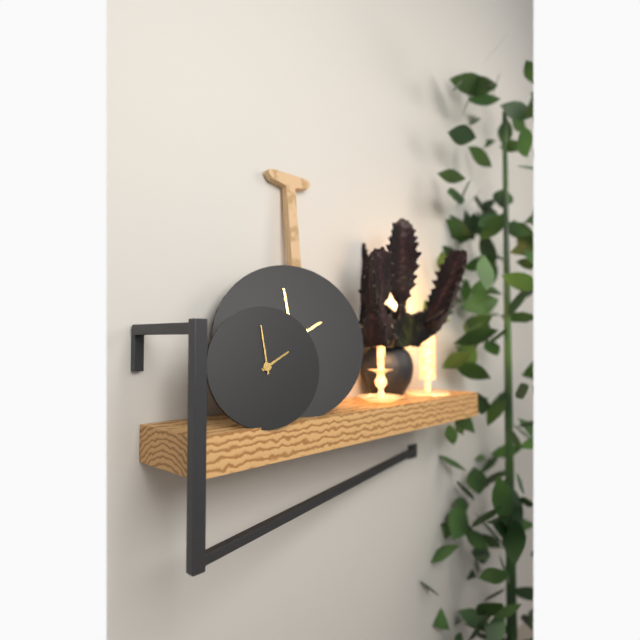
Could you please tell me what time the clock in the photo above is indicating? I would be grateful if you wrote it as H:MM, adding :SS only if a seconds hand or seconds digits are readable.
1:59
